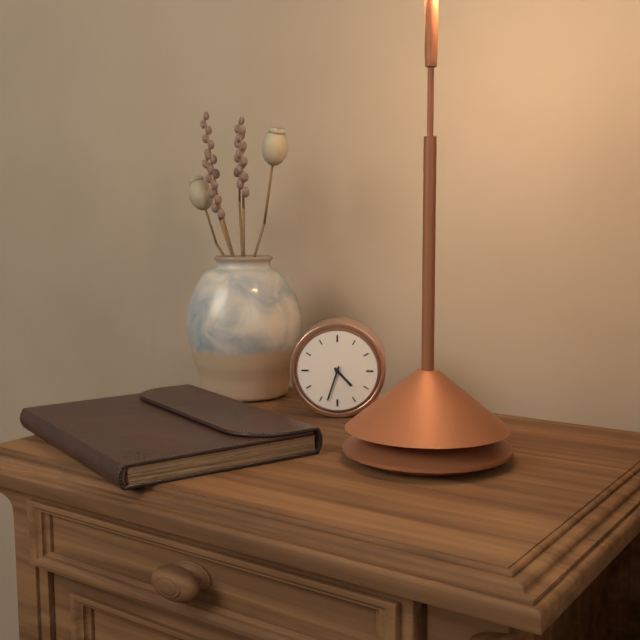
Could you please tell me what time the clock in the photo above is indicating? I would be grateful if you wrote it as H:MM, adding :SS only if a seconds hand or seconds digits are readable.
4:33
